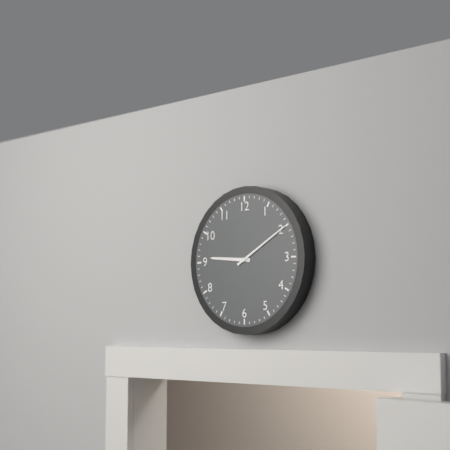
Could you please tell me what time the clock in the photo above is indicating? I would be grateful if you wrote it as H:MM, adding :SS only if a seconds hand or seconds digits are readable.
9:10
